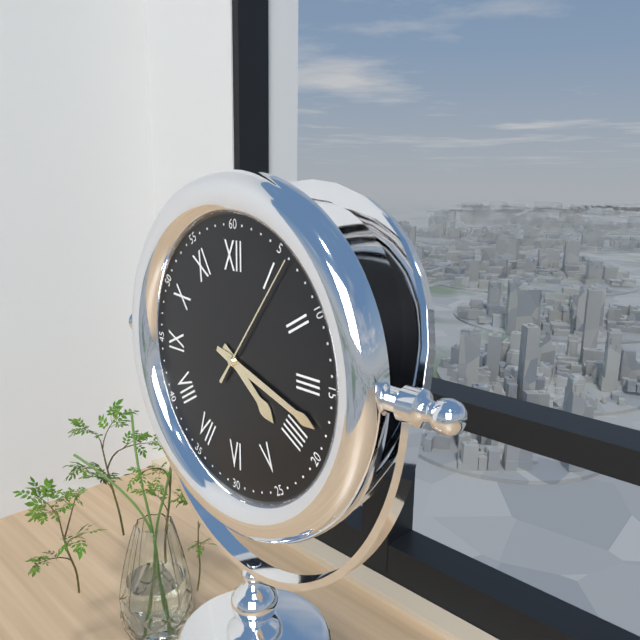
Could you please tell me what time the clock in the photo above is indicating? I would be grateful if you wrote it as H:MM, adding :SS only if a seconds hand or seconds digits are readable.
4:18:06
